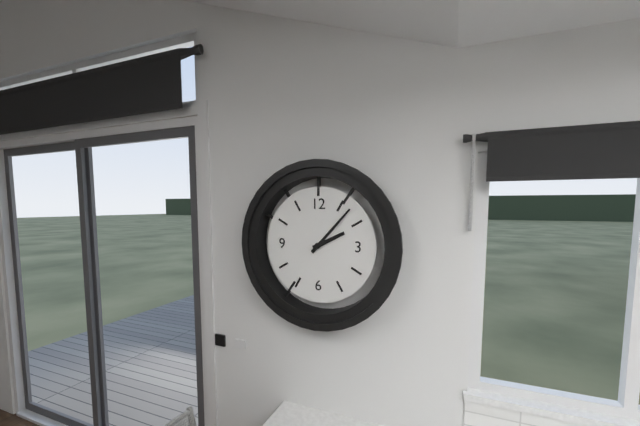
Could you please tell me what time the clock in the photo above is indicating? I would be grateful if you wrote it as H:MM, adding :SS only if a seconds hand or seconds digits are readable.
2:07
